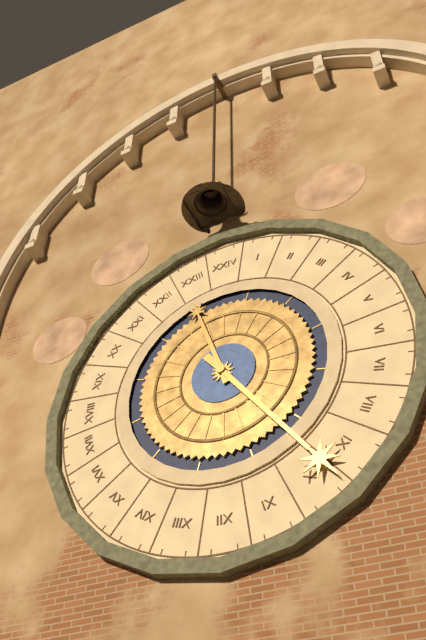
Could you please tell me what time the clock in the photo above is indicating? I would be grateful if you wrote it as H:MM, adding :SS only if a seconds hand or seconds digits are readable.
11:24
